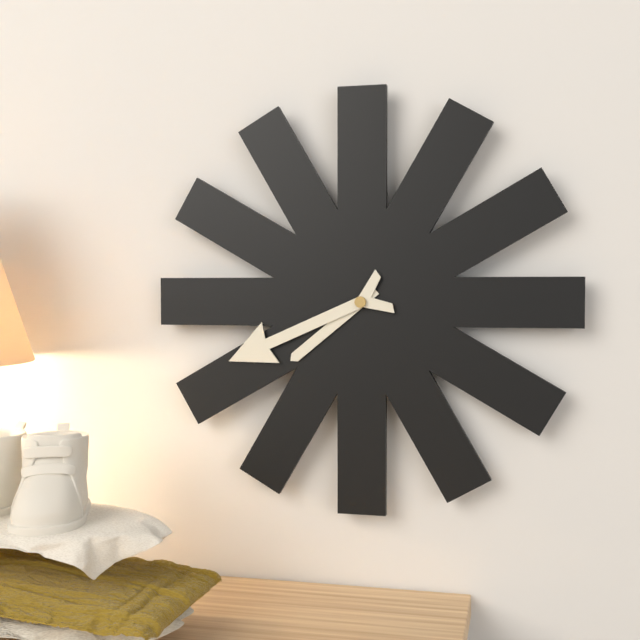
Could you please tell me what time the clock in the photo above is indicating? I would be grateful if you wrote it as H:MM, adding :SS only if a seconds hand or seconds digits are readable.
7:41
